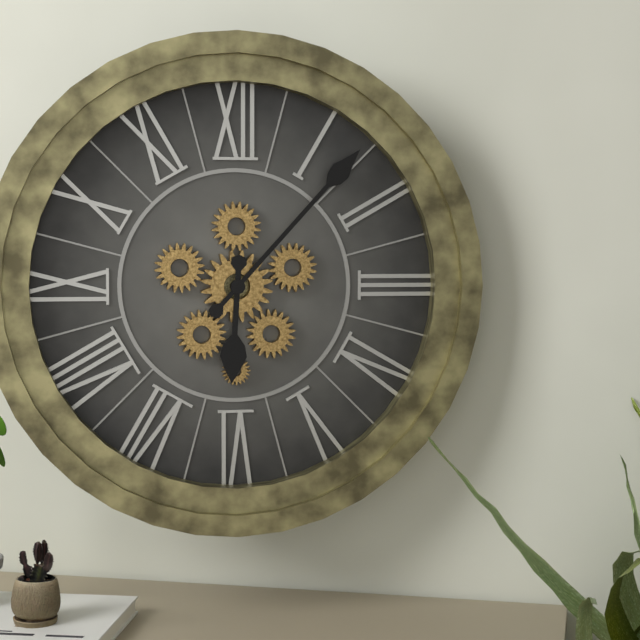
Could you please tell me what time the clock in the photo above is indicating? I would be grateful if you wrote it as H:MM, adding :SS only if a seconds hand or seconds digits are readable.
6:07
